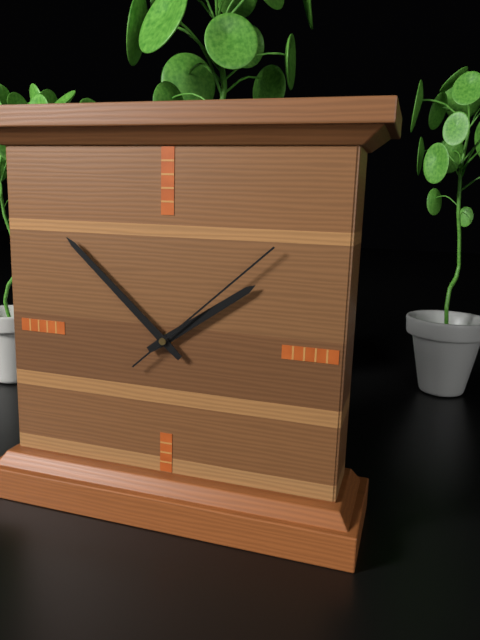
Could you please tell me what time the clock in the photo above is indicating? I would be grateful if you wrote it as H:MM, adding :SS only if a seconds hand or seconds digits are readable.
1:52:08
